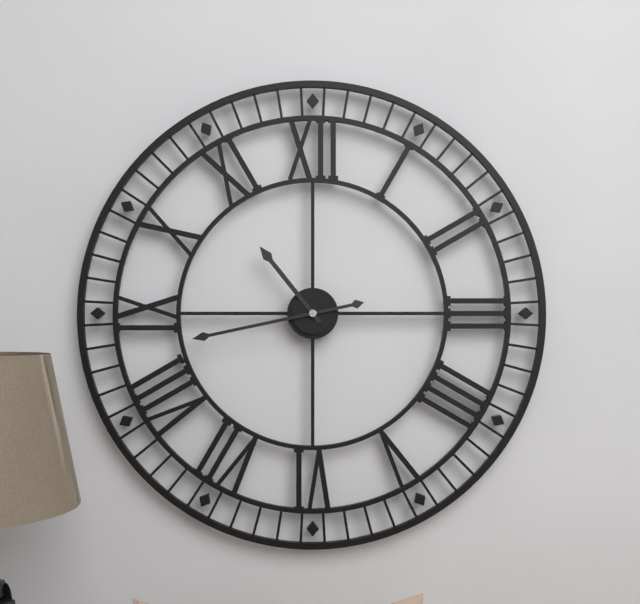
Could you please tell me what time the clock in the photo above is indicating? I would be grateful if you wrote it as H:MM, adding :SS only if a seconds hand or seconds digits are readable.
10:43
